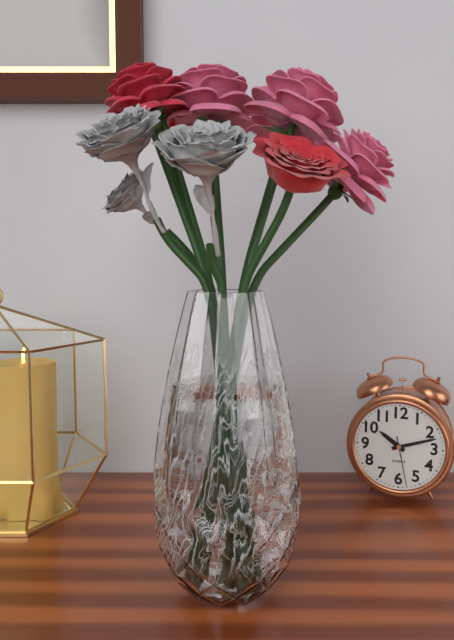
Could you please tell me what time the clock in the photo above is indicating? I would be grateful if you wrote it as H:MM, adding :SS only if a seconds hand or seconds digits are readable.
10:12:28
